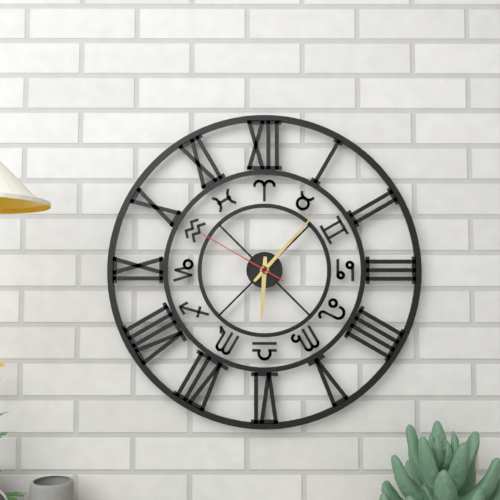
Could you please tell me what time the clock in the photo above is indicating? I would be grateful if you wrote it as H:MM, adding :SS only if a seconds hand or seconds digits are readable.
6:07:50
